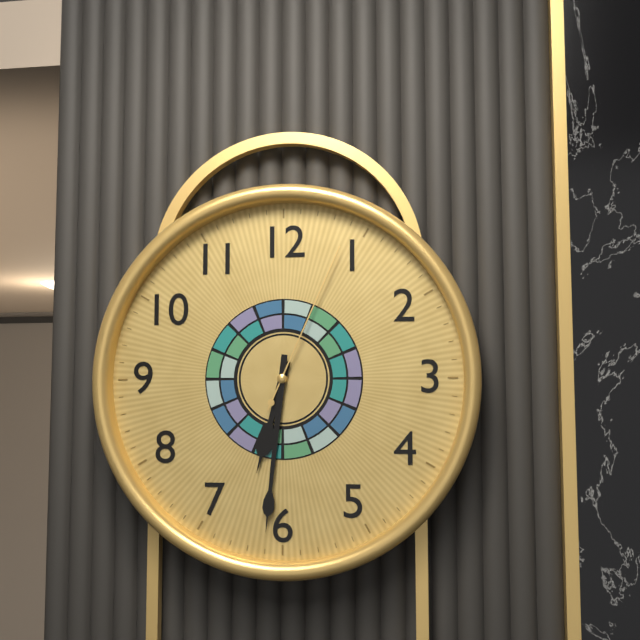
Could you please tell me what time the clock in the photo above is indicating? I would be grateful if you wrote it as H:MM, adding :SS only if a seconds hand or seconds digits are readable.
6:31:04
